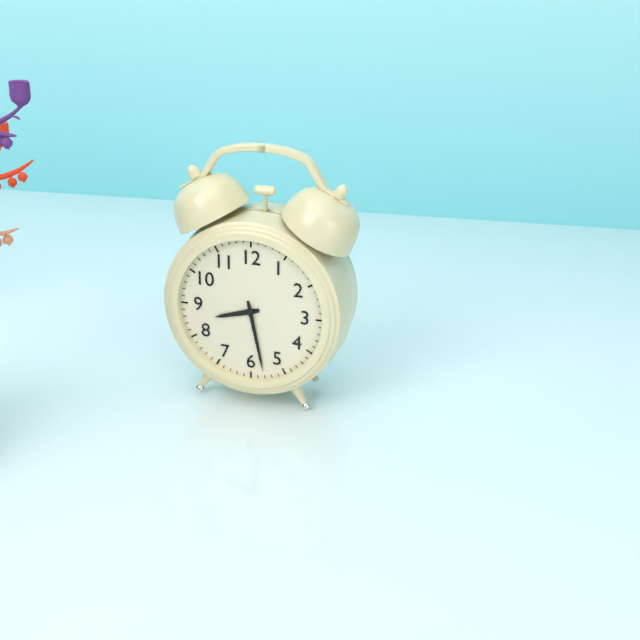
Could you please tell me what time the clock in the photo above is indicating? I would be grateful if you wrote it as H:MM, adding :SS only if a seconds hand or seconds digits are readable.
8:28
